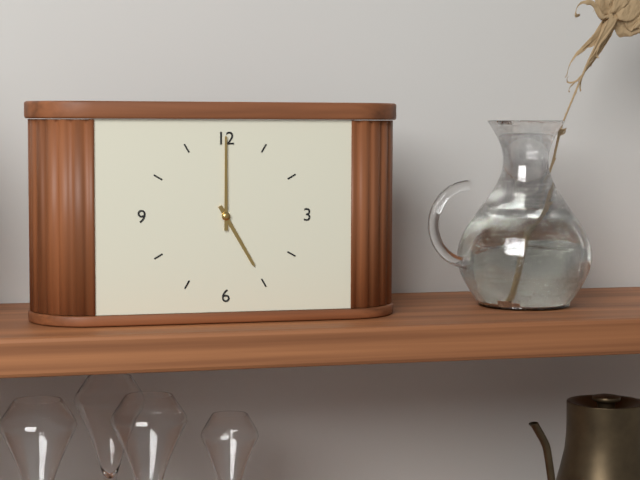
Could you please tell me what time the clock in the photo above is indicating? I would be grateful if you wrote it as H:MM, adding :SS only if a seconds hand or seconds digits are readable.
5:00
